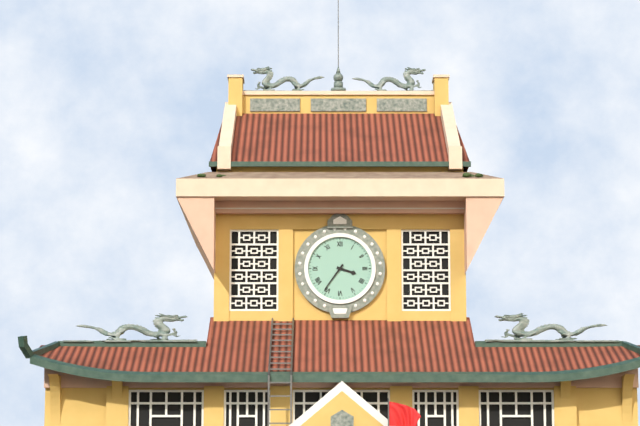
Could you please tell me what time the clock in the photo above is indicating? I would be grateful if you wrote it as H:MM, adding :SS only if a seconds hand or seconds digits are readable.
3:36
